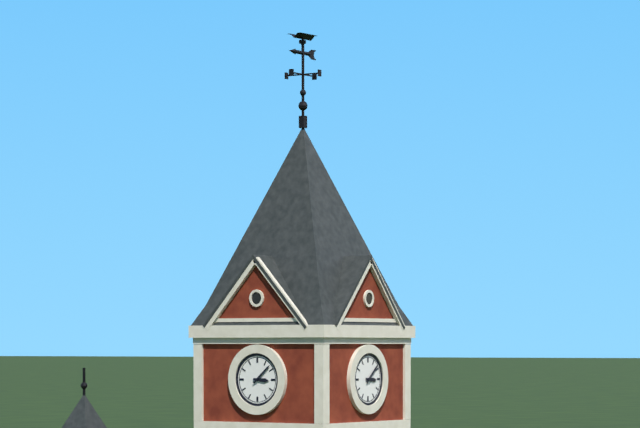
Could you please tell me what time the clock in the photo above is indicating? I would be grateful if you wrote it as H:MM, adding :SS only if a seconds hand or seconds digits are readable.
3:08
